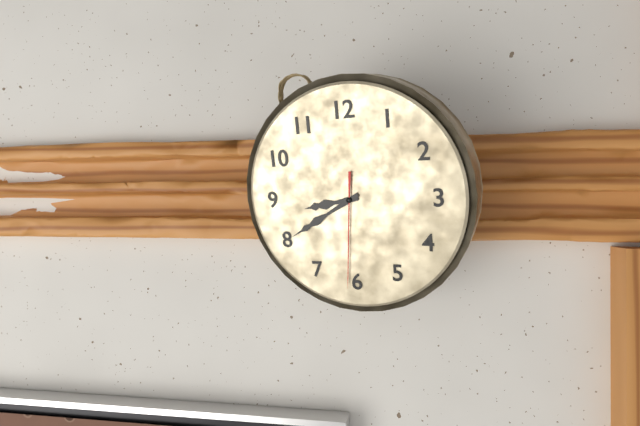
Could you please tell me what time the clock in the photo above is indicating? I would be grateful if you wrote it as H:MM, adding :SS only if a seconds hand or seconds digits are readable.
8:40:31
